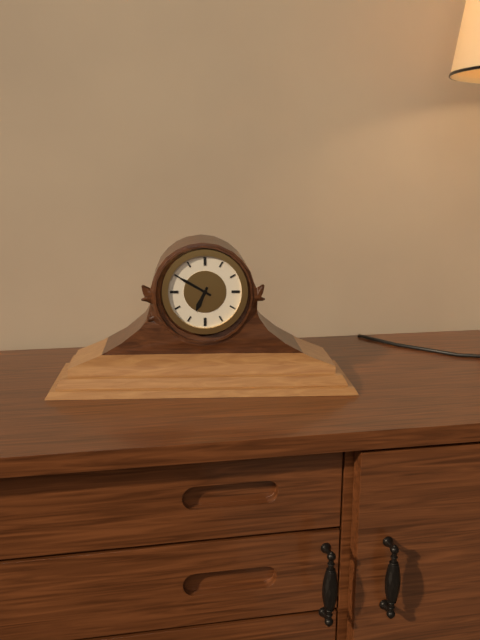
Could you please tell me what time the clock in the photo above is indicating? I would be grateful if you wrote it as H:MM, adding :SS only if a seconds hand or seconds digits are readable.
6:50
